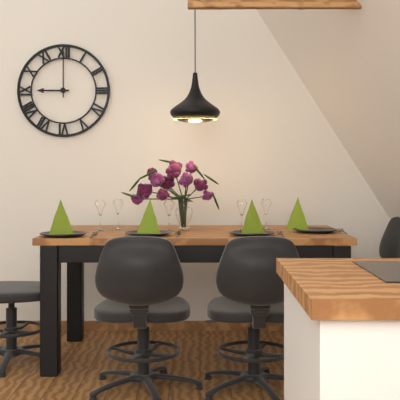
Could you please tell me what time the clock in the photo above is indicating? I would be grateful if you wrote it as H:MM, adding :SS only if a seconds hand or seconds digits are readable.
9:00
